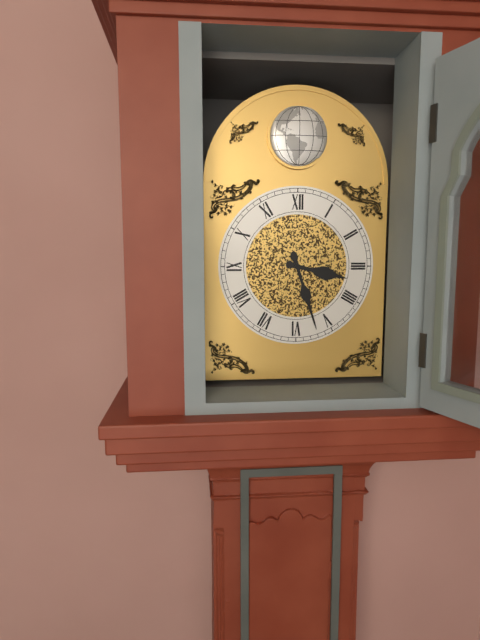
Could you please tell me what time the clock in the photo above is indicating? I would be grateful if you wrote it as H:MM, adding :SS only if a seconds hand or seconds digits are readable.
3:27
